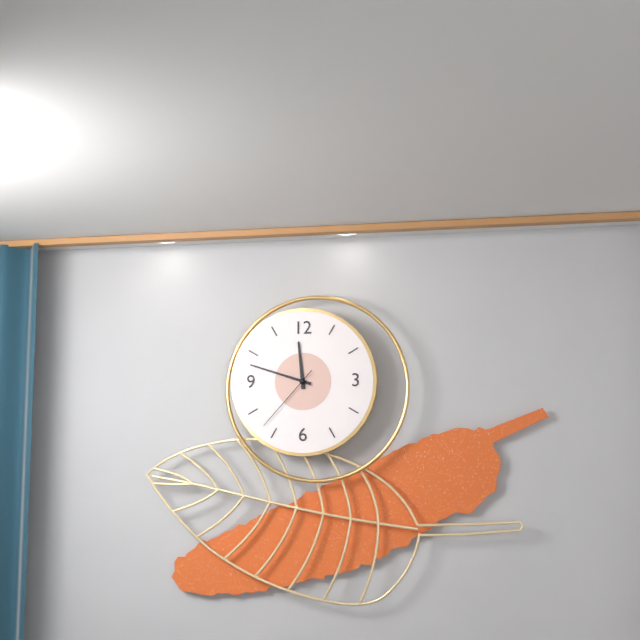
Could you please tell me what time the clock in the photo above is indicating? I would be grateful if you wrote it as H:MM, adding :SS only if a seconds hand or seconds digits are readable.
11:48:37
